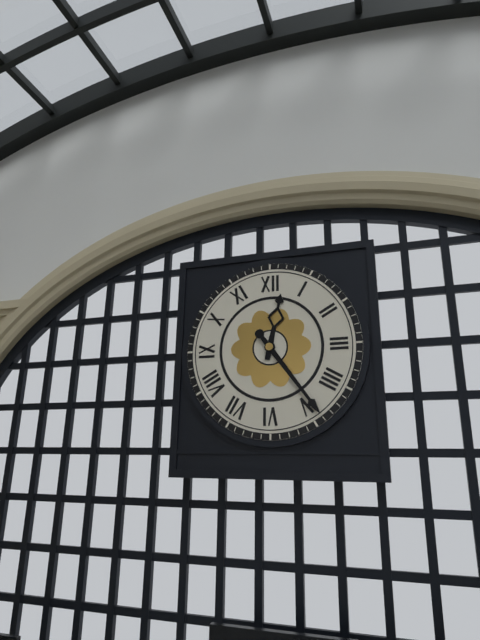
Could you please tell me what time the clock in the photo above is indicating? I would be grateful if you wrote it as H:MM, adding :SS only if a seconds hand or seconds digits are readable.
12:24
